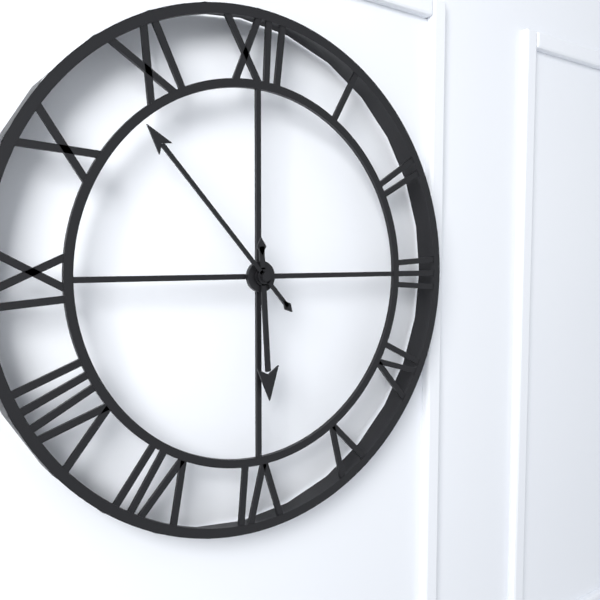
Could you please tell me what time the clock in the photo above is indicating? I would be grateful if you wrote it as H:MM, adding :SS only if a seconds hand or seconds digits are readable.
5:53
